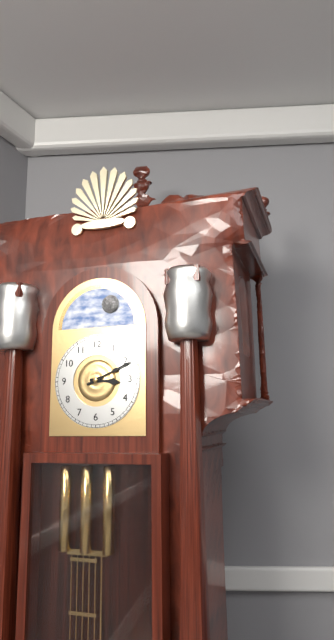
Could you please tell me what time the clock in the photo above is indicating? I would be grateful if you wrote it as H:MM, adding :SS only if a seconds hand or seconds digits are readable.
3:11
